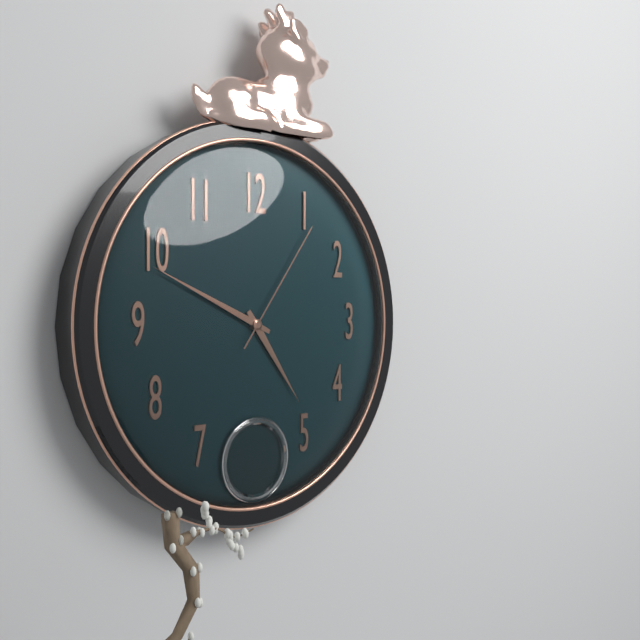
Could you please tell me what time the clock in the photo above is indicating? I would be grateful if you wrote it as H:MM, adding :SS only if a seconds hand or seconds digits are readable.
4:49:06
